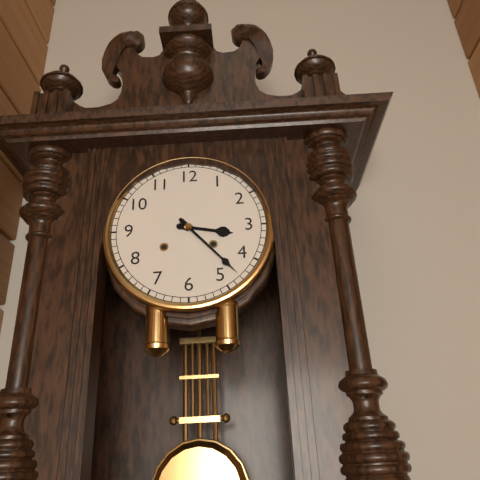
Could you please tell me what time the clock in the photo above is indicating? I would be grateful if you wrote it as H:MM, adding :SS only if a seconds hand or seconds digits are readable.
3:23
